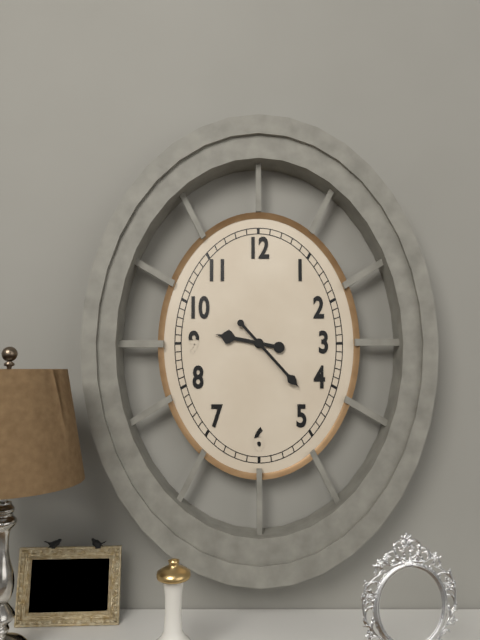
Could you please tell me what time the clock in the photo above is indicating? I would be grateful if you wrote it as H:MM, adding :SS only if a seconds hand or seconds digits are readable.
9:23
